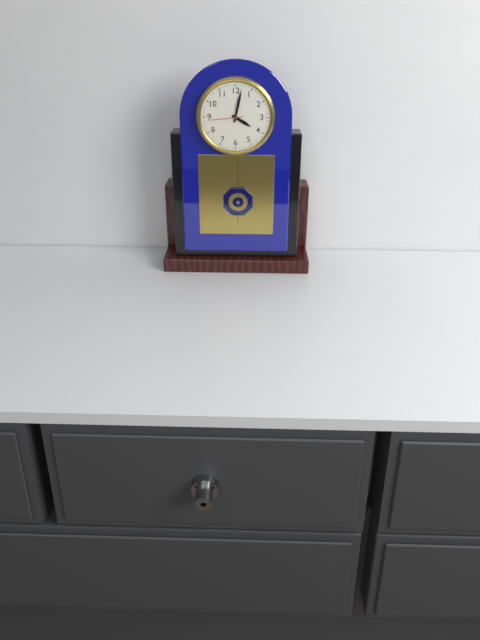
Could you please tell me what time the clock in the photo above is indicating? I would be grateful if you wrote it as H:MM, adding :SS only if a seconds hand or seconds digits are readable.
4:02
